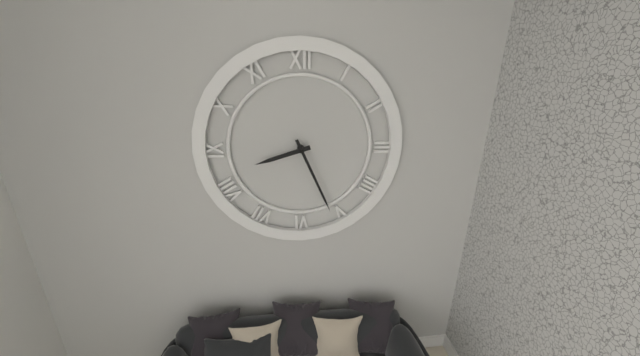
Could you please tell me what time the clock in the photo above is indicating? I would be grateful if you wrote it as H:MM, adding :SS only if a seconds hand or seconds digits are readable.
8:26
